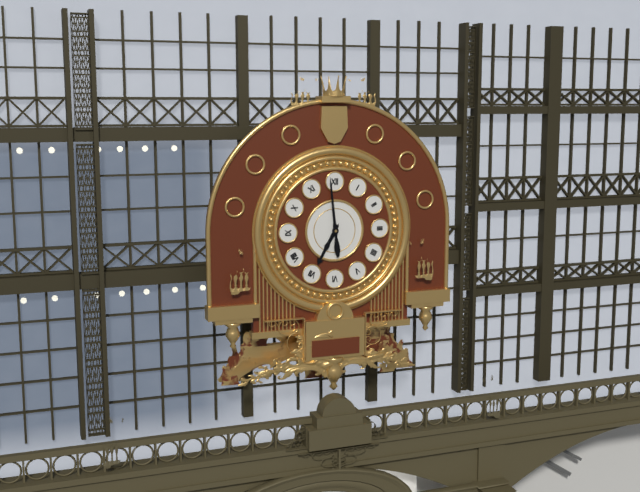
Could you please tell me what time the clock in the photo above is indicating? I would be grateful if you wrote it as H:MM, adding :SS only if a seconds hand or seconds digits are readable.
6:59
